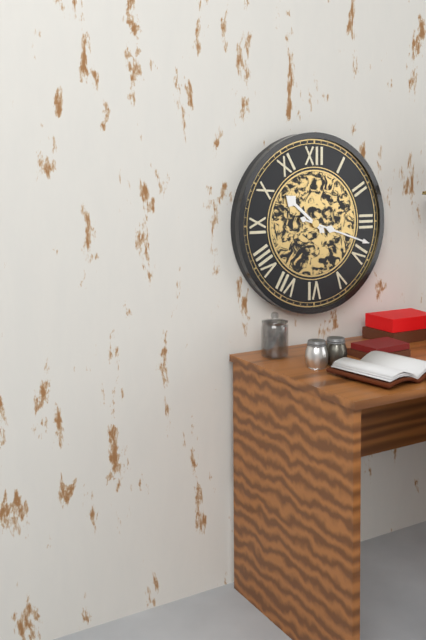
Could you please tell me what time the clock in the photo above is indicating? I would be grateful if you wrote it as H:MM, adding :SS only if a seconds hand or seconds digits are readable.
10:18
